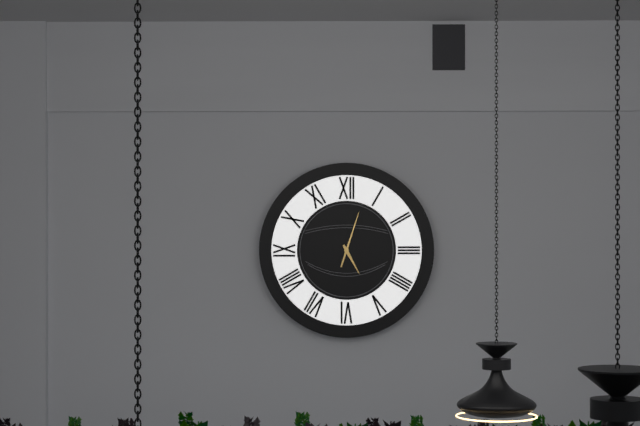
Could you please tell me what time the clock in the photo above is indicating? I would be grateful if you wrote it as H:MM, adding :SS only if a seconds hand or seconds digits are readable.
5:03
